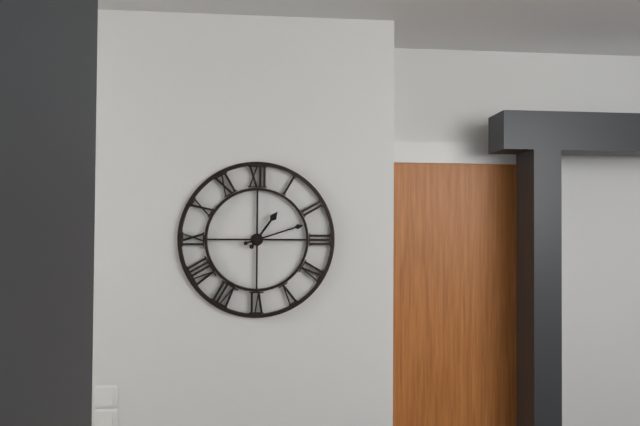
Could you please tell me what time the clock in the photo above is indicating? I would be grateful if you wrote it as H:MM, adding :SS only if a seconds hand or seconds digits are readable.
1:12
